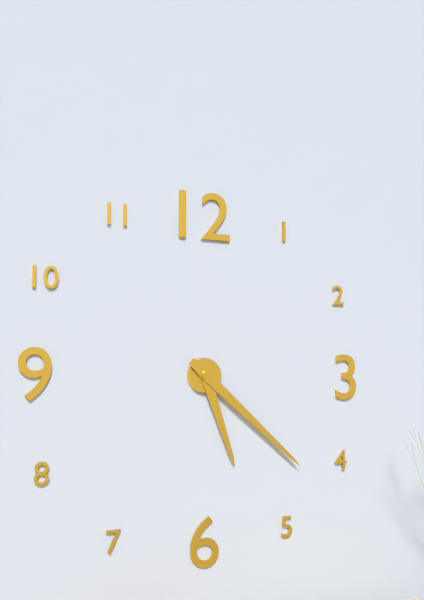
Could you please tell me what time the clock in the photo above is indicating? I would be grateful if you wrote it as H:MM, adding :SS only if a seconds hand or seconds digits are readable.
5:22
